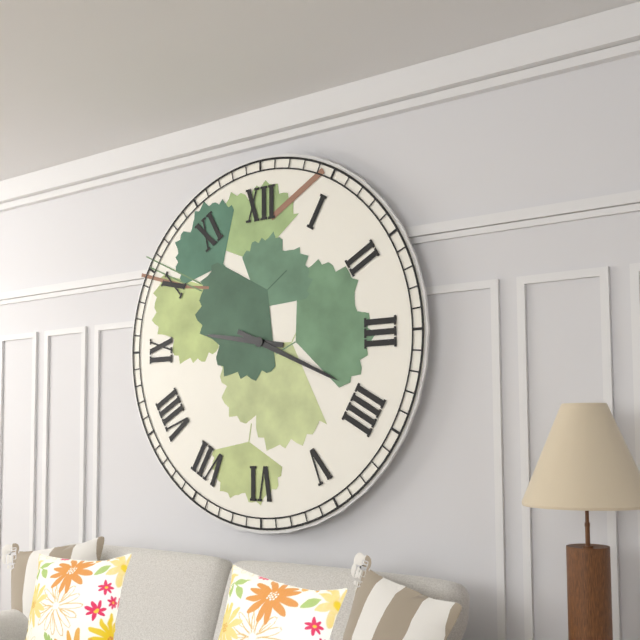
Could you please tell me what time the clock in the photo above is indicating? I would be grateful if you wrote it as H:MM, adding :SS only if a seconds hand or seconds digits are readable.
9:19
